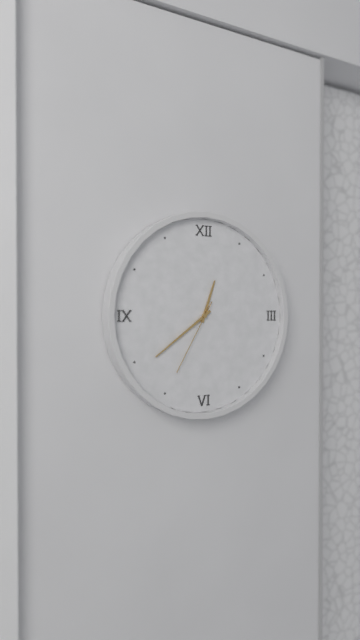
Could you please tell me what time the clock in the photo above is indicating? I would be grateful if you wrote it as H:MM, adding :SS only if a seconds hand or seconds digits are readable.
12:39:35
